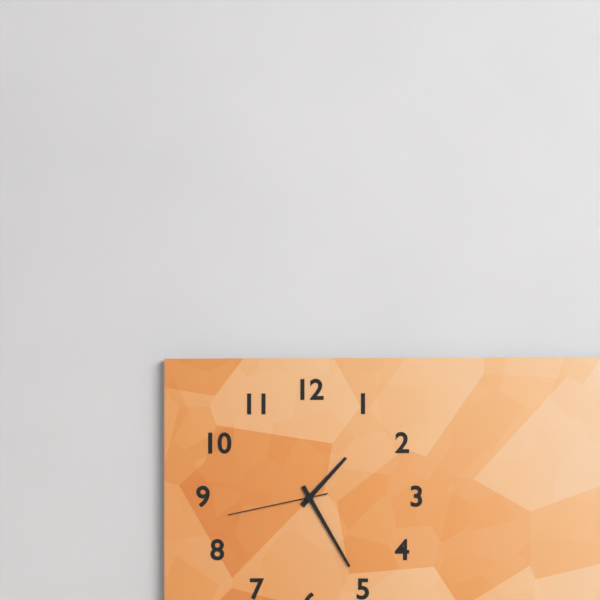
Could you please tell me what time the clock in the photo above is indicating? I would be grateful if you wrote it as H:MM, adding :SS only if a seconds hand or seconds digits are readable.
1:25:43
